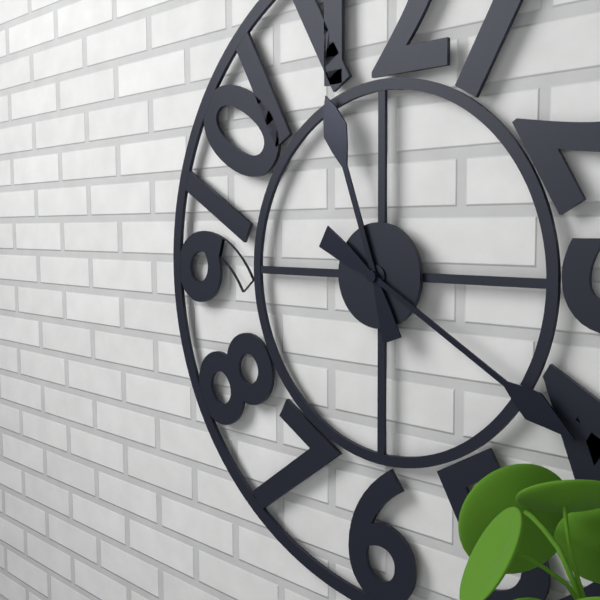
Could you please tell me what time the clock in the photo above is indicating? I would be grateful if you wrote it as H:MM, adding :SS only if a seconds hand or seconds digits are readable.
11:20
